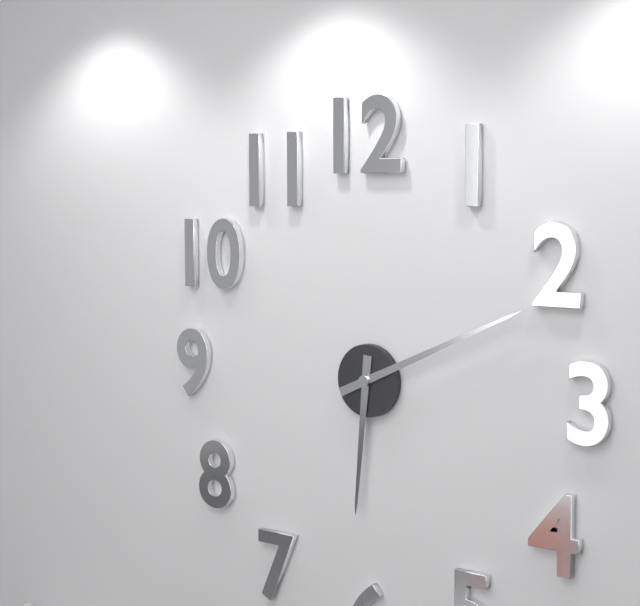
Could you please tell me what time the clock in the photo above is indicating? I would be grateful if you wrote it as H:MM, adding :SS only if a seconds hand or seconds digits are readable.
6:11
